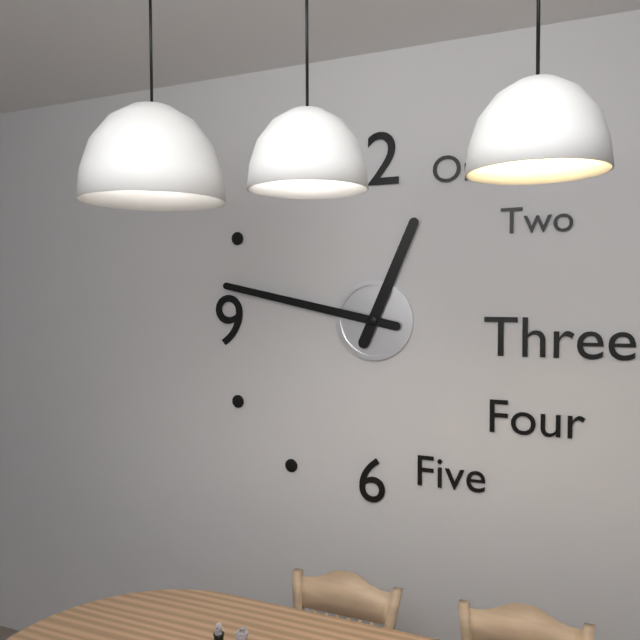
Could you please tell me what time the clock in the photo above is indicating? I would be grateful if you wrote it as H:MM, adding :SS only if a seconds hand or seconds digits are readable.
12:47
